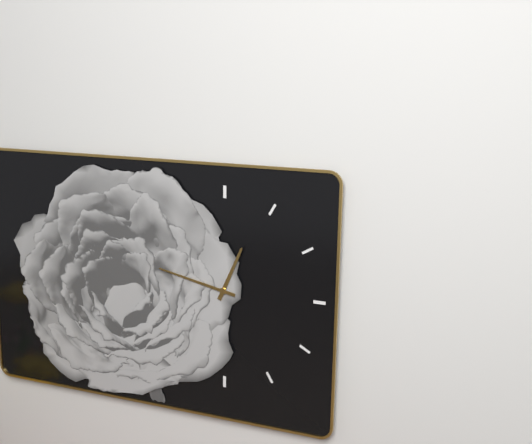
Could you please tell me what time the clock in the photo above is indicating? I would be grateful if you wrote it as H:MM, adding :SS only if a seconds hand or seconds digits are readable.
12:47
